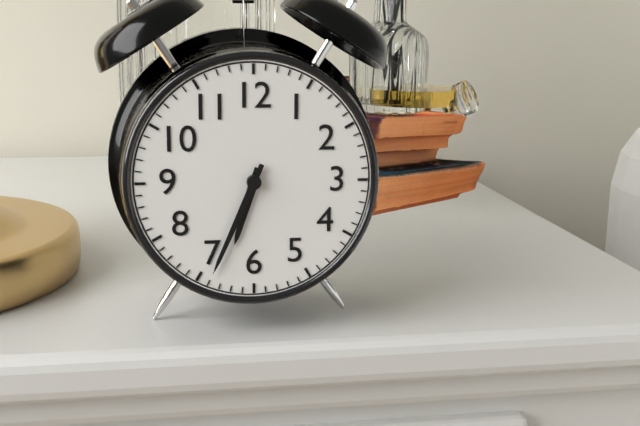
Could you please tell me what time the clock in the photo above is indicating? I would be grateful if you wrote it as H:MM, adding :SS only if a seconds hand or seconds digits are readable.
6:34
